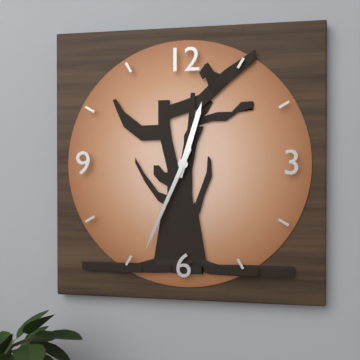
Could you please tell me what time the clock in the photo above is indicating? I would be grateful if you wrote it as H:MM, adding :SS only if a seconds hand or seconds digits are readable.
12:34
